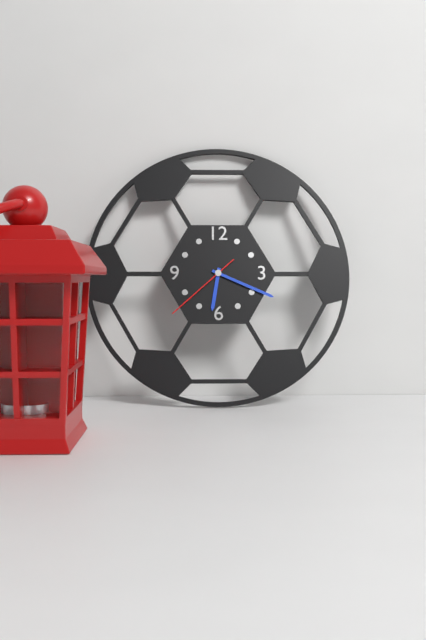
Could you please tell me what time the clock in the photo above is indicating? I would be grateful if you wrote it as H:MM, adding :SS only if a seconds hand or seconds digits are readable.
6:19:38
